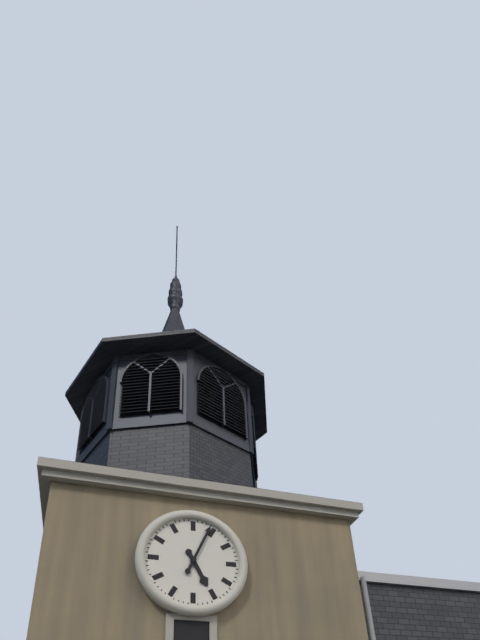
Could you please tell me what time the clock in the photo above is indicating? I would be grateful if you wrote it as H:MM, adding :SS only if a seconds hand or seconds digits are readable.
5:04
